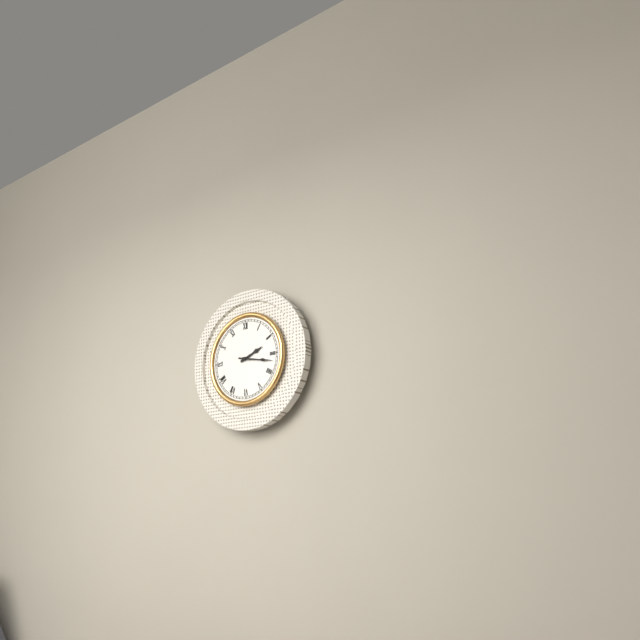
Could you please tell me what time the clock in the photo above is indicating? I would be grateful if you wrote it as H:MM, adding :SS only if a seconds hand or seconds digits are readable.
2:17
